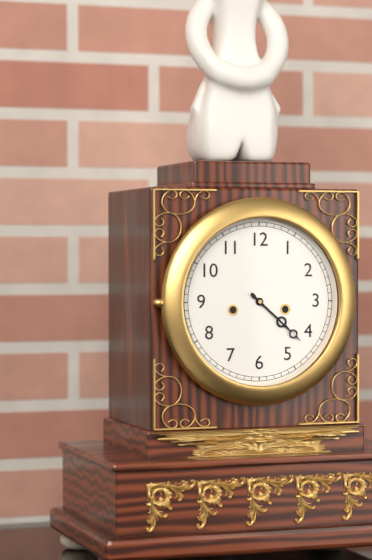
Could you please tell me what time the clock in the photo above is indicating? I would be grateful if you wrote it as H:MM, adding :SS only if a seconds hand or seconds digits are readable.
4:22
